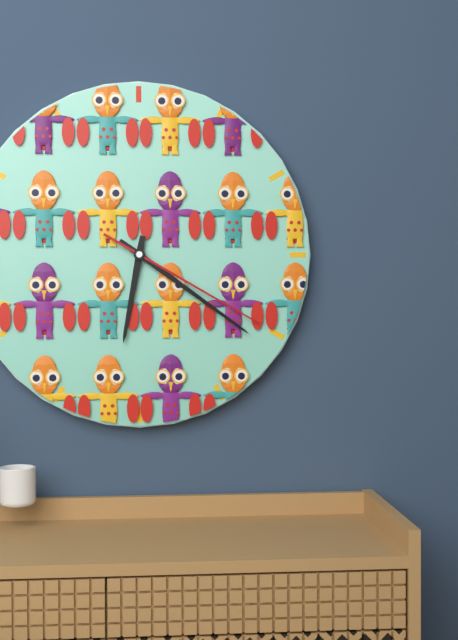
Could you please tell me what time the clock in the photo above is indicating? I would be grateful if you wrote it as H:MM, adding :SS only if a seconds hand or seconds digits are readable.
6:21:20
